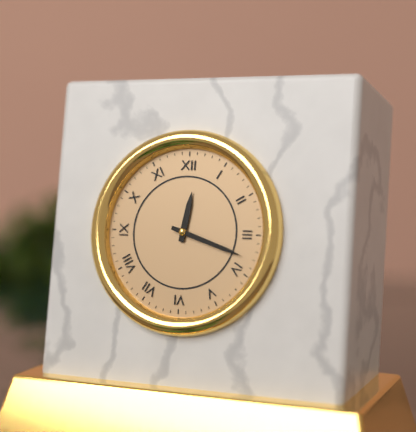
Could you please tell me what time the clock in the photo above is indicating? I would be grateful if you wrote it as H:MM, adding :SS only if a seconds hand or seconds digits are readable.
12:18
